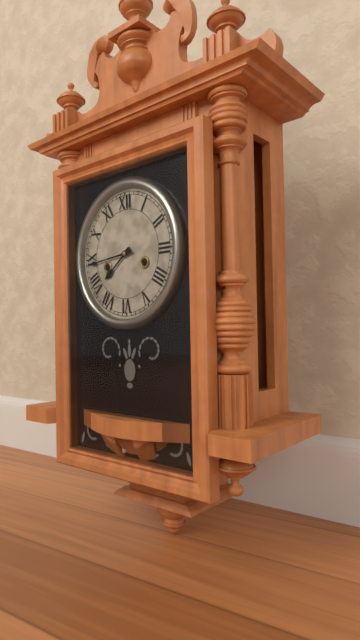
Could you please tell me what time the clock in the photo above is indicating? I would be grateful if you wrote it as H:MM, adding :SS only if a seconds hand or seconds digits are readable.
7:44
